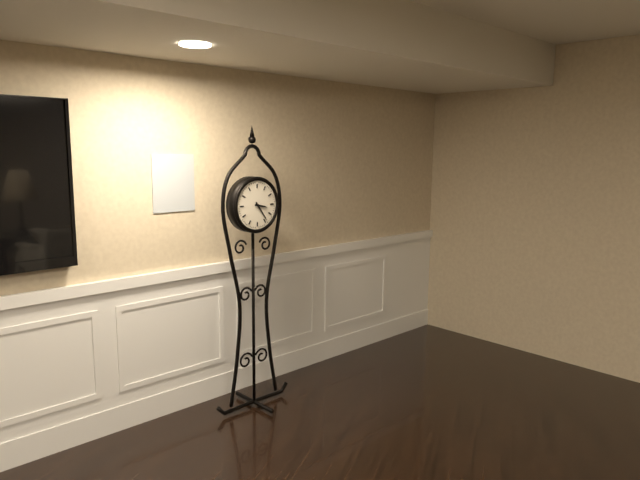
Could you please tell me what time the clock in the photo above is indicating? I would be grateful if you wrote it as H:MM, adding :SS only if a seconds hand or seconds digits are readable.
3:24
